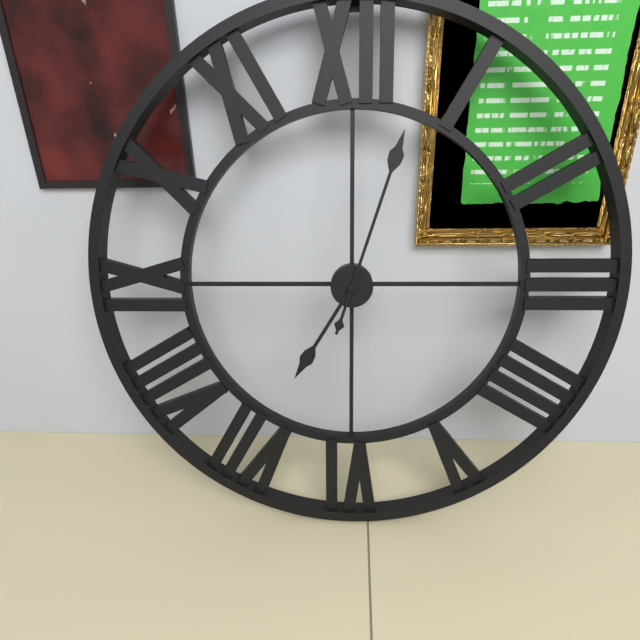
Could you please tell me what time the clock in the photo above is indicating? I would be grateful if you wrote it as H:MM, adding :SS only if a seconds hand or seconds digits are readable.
7:03
